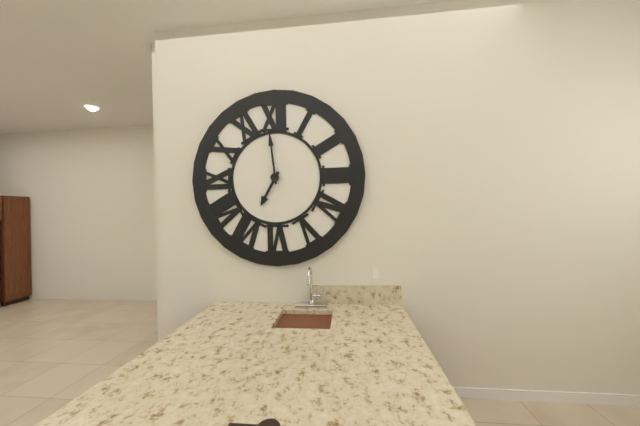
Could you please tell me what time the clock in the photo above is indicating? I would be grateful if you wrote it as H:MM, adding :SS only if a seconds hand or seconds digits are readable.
6:59
